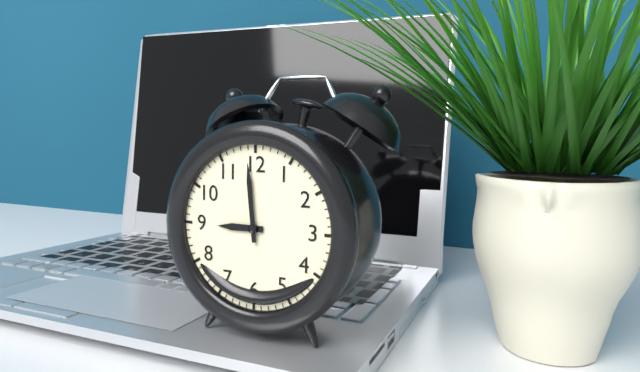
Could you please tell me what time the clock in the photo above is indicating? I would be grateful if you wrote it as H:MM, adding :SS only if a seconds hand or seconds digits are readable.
8:59
